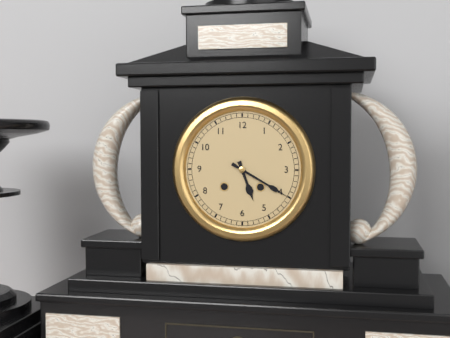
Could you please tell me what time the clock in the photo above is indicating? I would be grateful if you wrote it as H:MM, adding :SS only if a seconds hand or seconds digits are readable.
5:20
